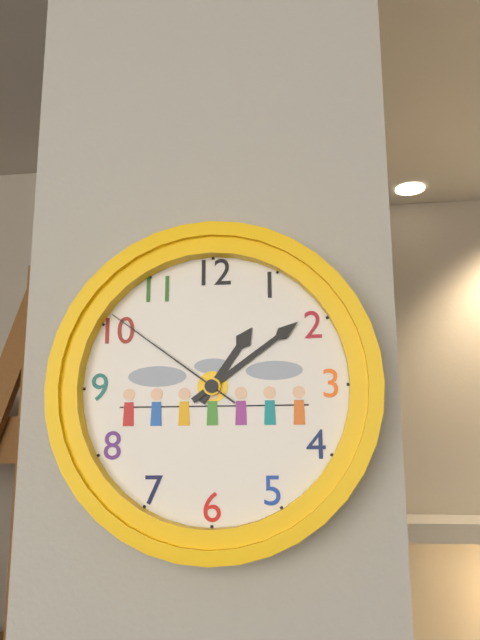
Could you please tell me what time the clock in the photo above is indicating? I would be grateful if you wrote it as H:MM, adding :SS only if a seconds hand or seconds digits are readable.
1:09:51
